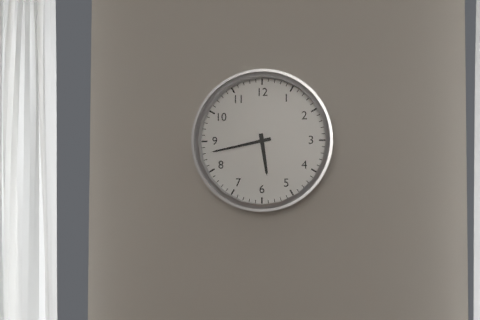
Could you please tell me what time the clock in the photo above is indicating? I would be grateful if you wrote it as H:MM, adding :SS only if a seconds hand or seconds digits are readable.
5:43
